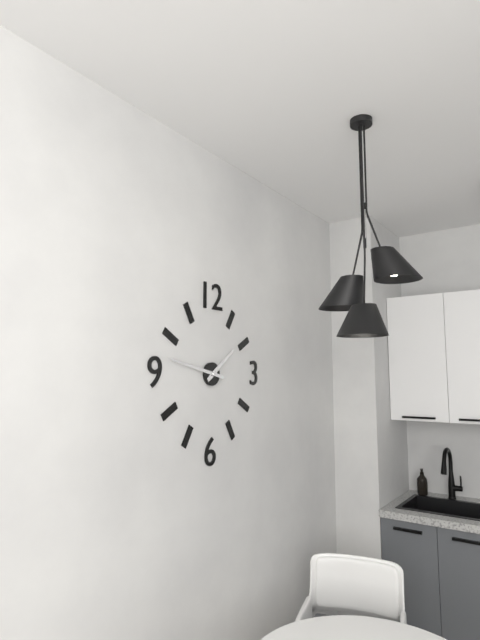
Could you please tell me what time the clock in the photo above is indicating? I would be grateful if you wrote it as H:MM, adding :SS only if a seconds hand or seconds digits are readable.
1:47
